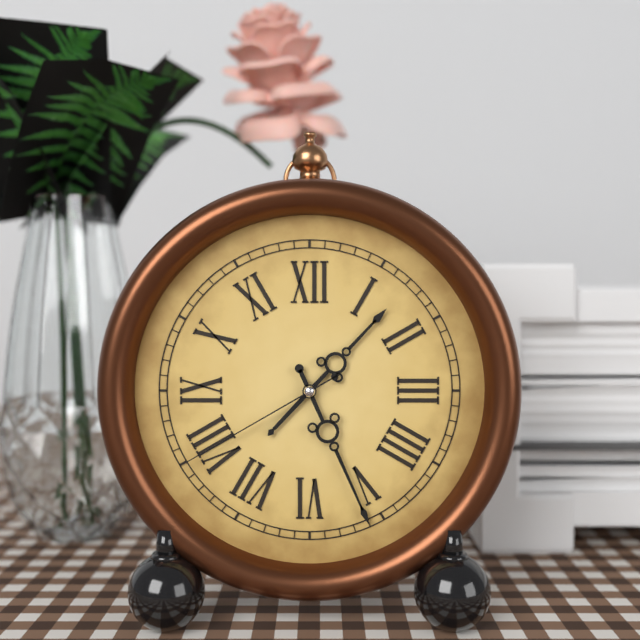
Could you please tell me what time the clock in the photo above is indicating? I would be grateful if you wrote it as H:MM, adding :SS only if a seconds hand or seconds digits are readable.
1:26:40
